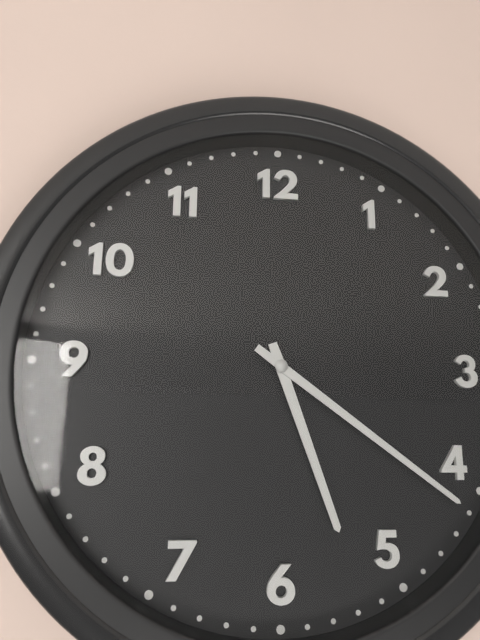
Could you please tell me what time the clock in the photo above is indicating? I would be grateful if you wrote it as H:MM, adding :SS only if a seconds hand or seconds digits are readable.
5:21
